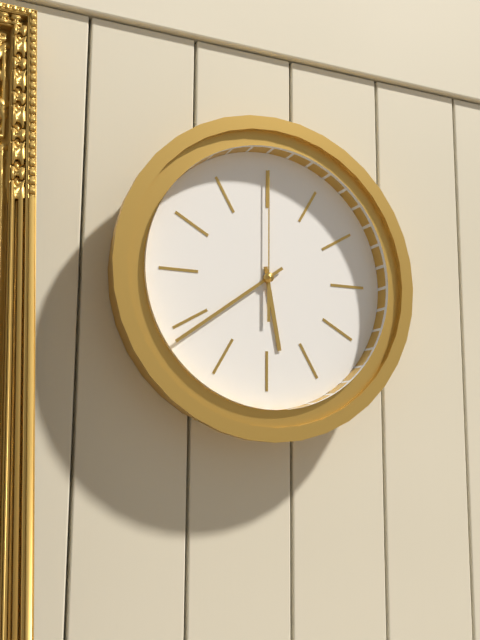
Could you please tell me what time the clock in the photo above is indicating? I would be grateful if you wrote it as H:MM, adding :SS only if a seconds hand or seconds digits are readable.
5:39:00
